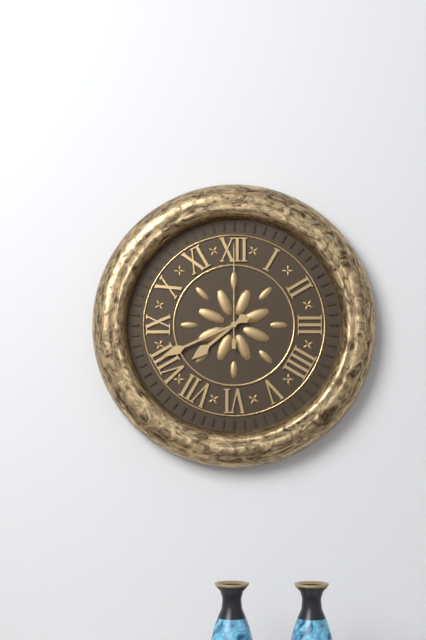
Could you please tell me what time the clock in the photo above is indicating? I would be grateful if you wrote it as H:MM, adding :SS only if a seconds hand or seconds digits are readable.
7:41:00
